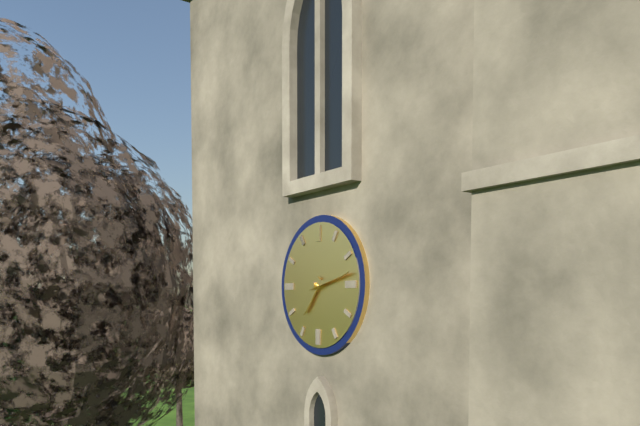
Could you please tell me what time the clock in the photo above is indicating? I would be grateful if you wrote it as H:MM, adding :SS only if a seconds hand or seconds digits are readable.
7:13
